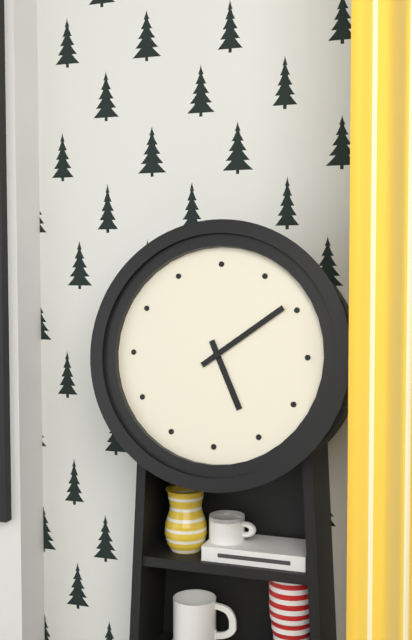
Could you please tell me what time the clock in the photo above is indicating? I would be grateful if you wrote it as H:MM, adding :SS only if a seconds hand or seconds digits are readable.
5:09
